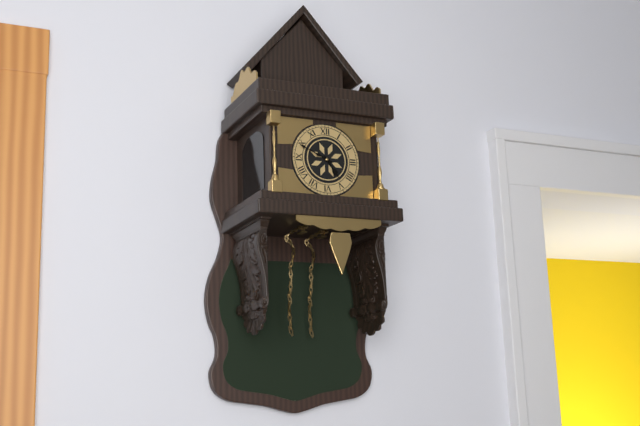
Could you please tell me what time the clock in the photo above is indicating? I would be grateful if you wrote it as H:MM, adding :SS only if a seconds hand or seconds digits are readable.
4:49
